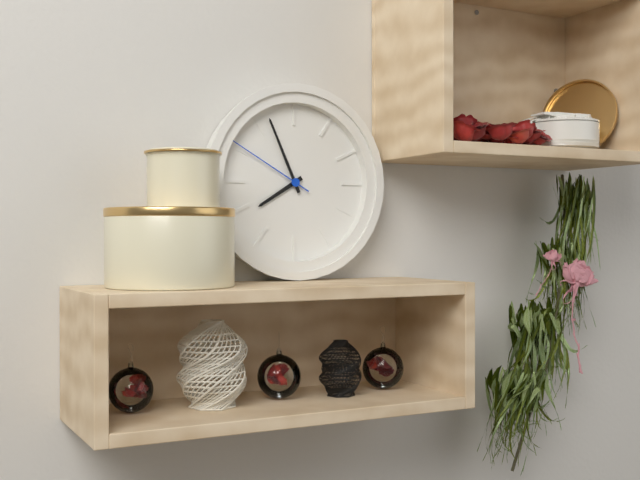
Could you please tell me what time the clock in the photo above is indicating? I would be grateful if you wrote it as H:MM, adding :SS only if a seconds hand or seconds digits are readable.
7:56:50
